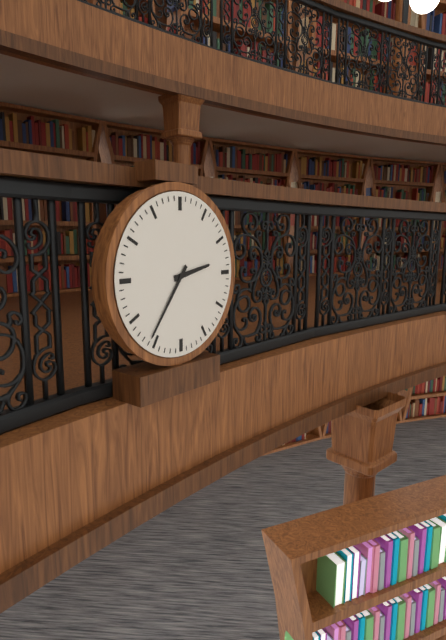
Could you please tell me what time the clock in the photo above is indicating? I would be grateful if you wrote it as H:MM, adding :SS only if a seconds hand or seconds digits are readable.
2:36
